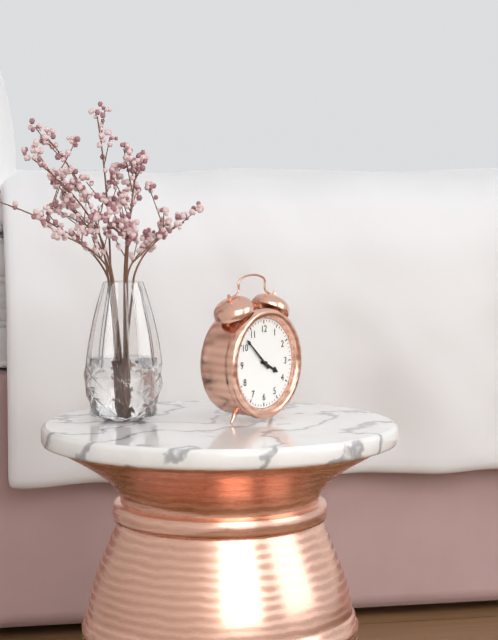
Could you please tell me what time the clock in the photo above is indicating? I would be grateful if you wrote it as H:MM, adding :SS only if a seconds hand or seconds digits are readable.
3:52
